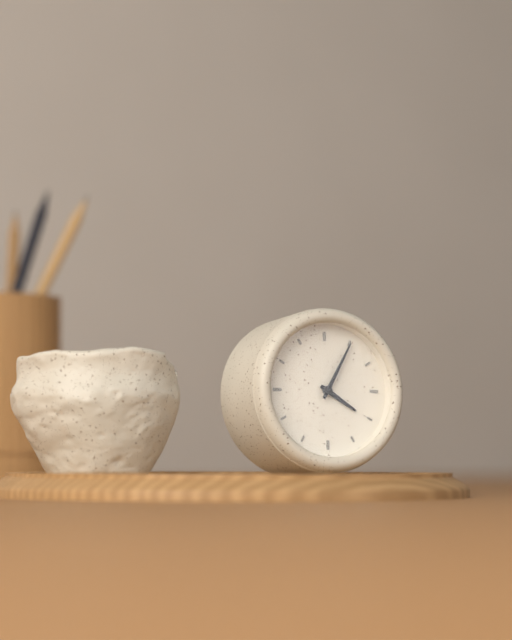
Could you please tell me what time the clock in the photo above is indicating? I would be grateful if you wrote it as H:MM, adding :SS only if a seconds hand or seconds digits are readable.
4:05
